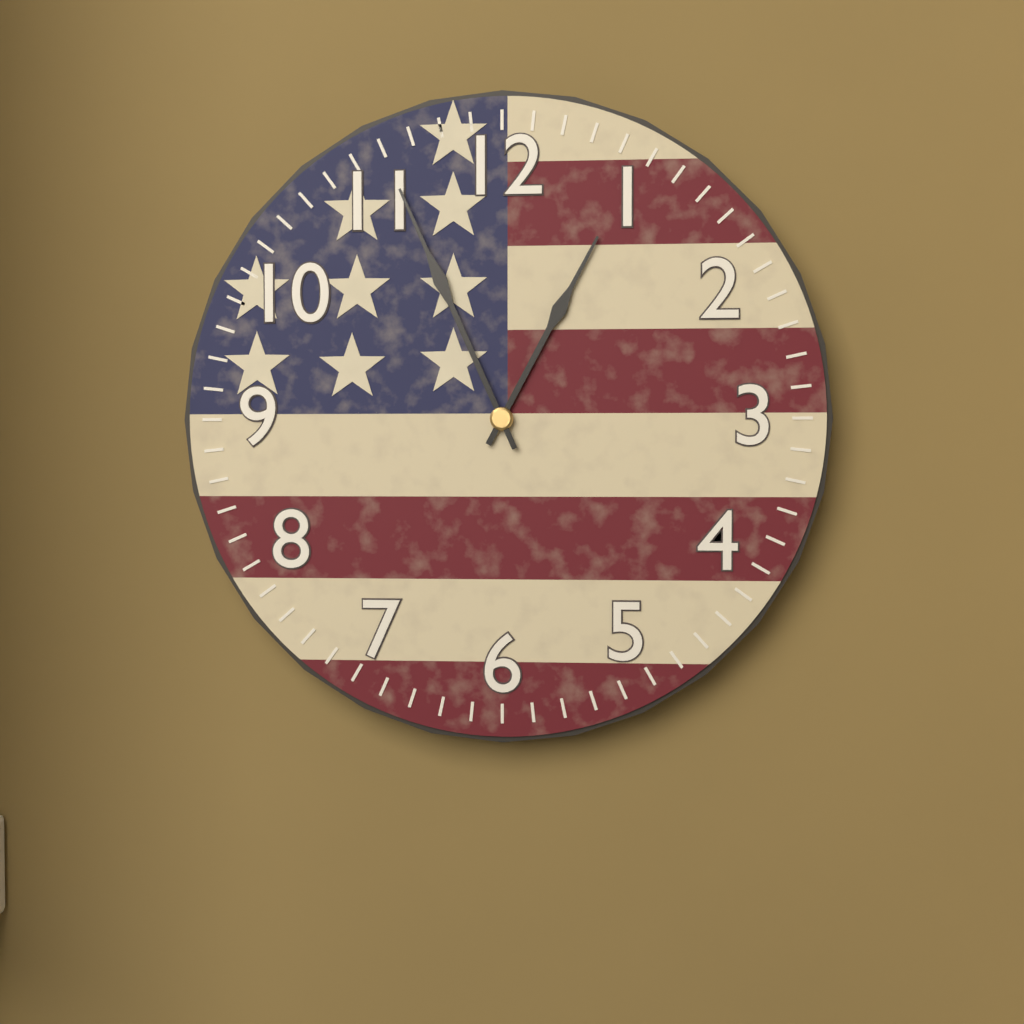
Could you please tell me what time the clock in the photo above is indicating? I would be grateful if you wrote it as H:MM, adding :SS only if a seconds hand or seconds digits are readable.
12:56
